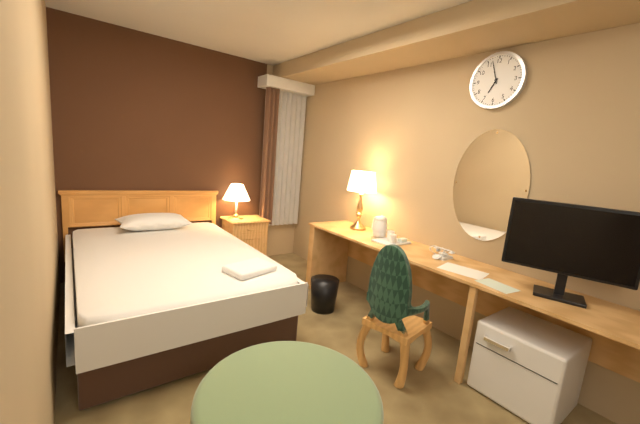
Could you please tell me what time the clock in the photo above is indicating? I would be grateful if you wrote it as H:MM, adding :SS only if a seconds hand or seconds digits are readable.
6:57
